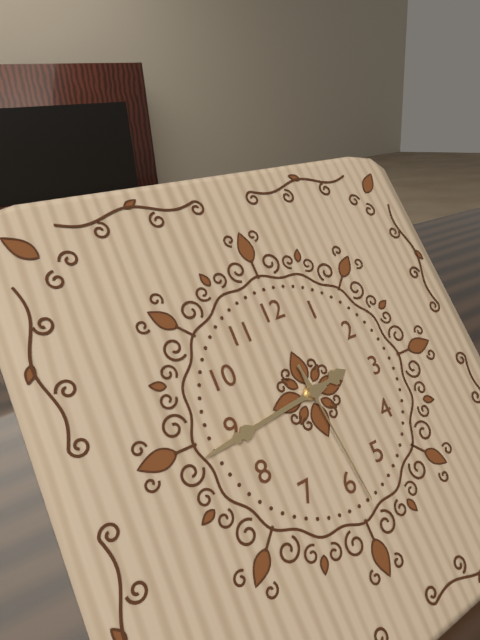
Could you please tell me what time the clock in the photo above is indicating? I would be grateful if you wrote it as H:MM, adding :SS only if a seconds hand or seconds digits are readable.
2:44:29
